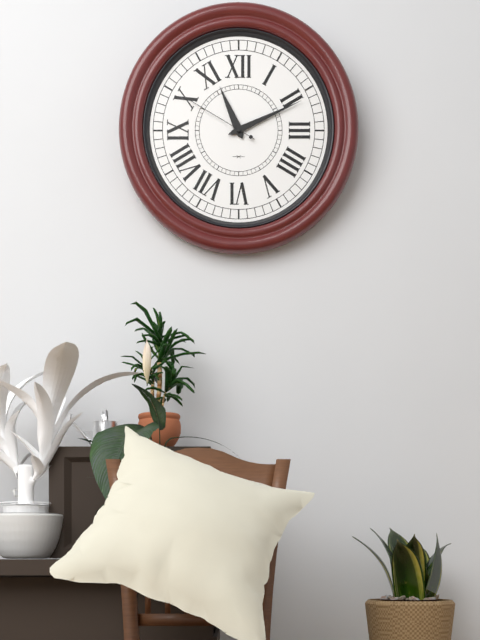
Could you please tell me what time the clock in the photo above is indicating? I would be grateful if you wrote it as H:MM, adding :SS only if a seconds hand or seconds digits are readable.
11:11:50
